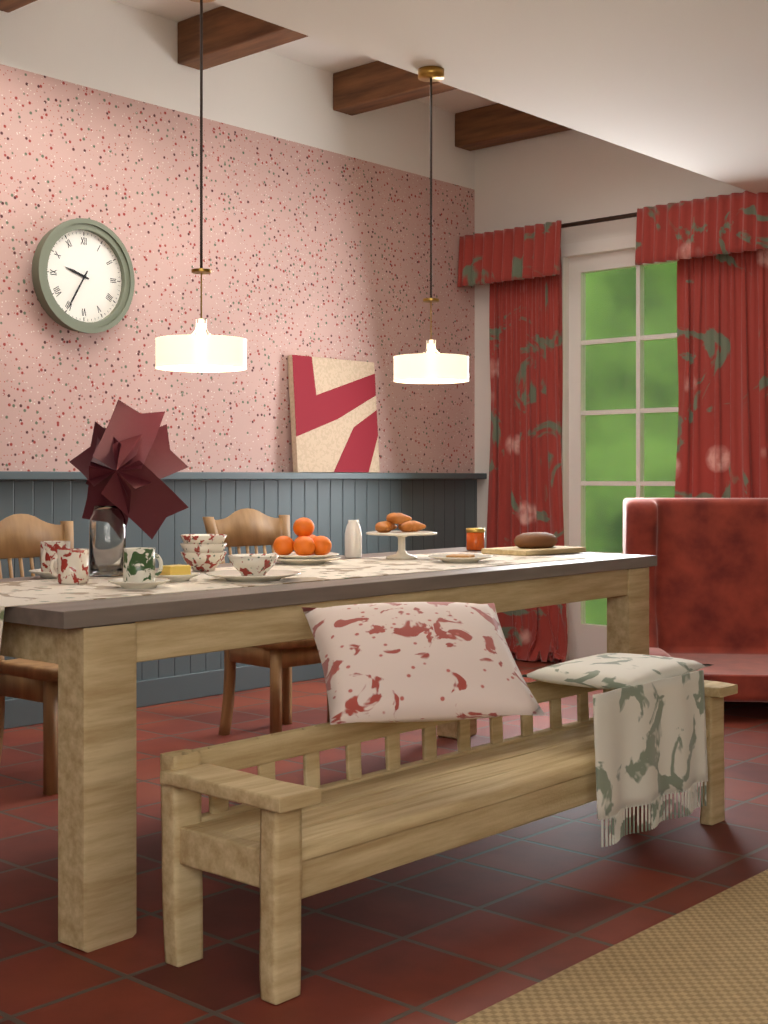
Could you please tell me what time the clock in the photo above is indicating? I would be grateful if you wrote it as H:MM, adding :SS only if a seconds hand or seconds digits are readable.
9:35
